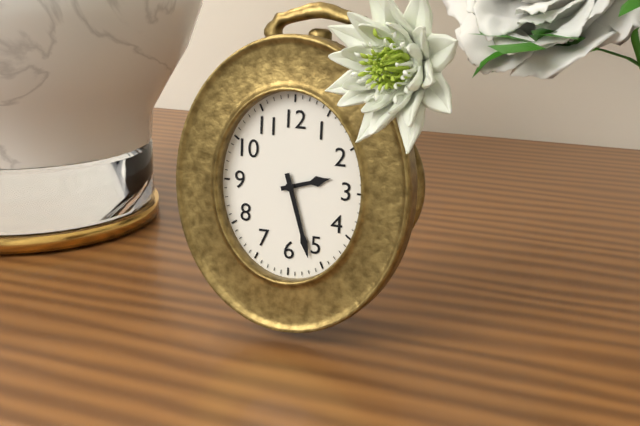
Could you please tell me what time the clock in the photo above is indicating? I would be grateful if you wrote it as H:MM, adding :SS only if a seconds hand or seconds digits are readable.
2:27
